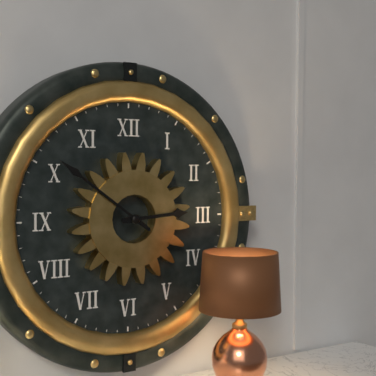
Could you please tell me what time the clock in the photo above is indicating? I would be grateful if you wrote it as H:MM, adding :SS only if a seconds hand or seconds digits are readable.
2:51
